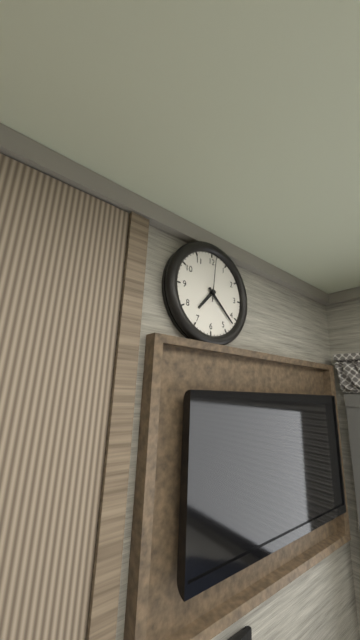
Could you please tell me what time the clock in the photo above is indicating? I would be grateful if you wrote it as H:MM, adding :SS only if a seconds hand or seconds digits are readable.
7:22
